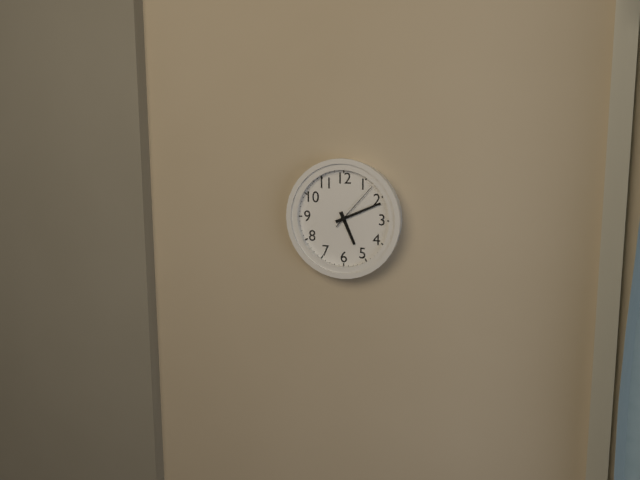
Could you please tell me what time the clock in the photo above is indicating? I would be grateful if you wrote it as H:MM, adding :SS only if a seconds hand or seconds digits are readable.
5:11:07
